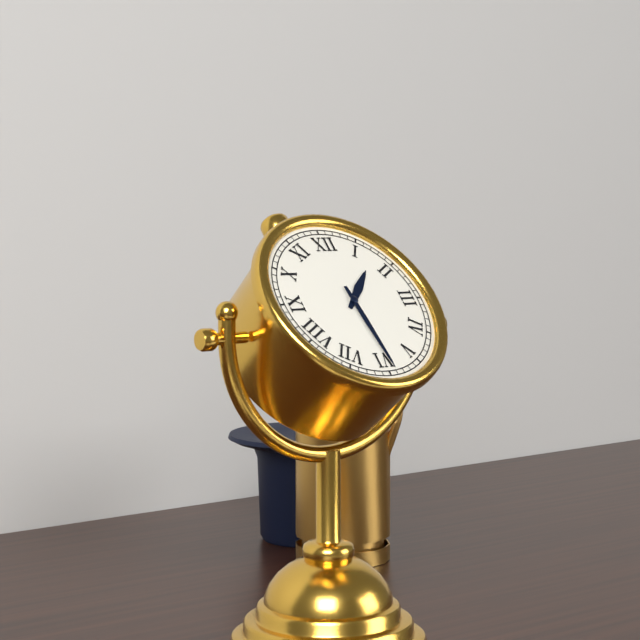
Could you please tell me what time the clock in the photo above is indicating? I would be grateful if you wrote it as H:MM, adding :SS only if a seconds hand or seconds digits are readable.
1:29
